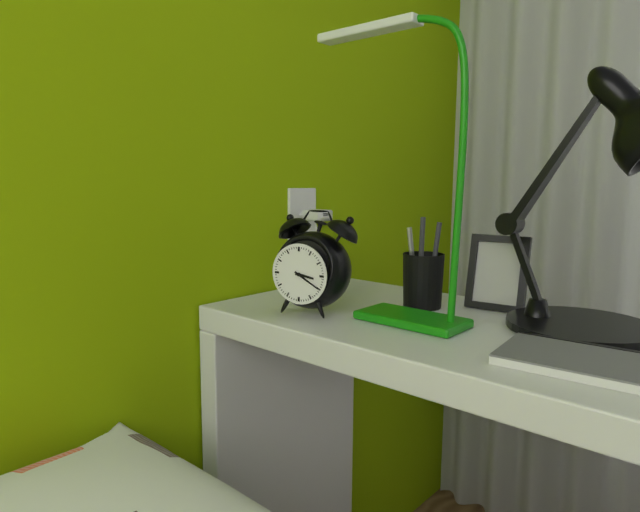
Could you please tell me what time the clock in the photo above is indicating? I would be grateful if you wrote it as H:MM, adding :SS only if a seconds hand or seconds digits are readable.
3:20
